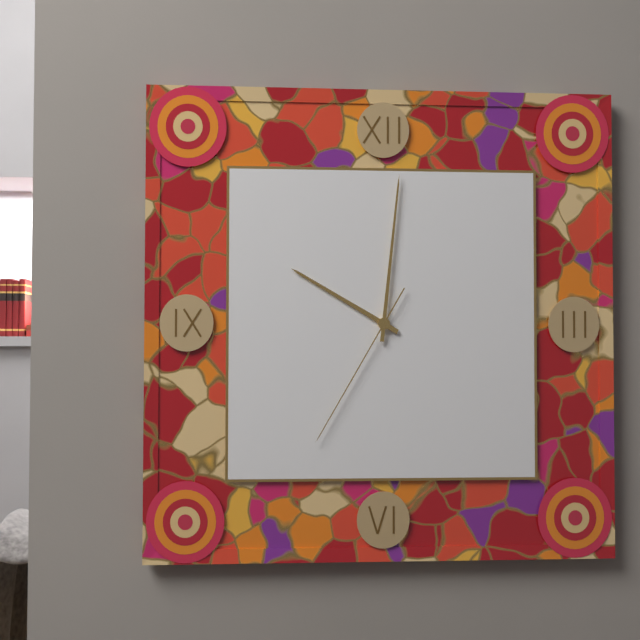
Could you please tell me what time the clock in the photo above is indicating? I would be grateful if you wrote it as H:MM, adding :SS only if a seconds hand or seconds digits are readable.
10:01:35
